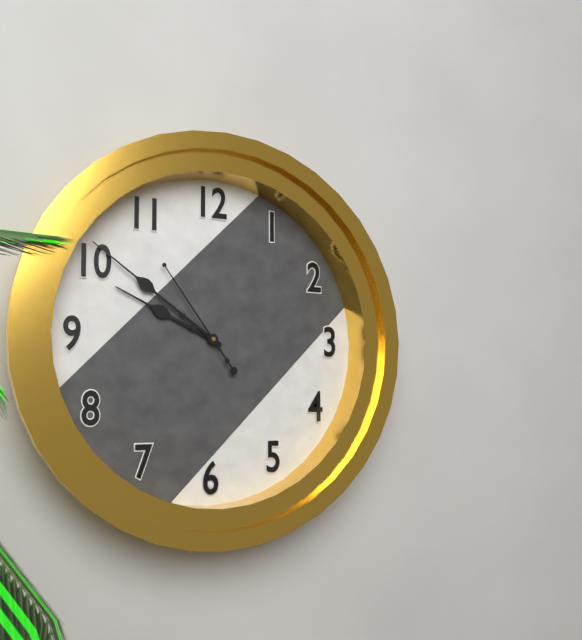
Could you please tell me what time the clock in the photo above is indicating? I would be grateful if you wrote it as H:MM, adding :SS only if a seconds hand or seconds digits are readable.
9:51:54
